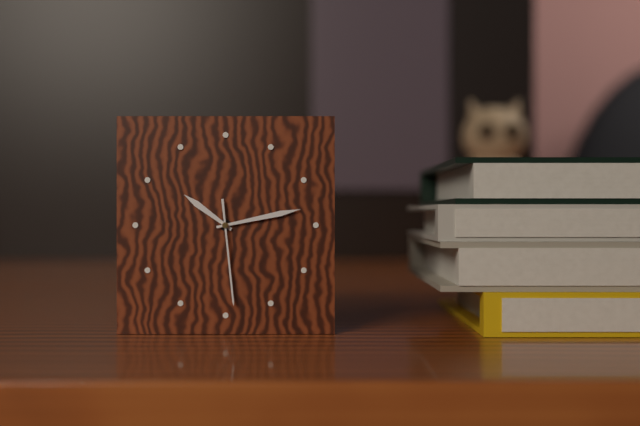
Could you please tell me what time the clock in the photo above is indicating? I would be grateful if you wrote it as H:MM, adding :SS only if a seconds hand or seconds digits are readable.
10:13:29
